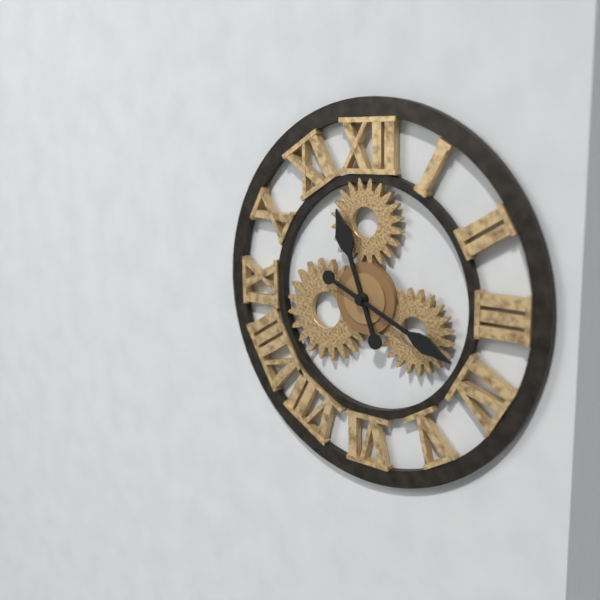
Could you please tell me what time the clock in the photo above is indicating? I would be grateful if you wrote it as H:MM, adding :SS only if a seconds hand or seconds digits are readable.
11:19
